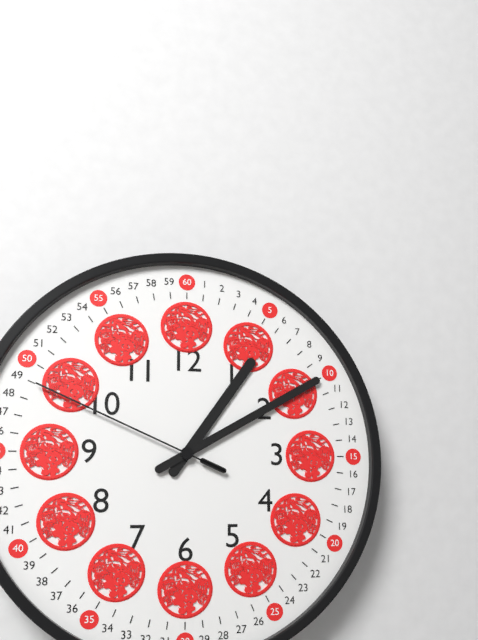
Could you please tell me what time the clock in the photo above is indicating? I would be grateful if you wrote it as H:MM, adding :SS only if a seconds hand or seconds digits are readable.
1:10:49
